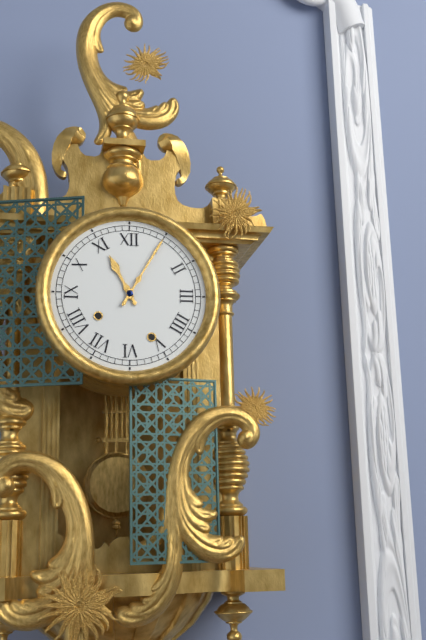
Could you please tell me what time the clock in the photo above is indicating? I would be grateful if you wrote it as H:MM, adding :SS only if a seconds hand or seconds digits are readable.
11:05
